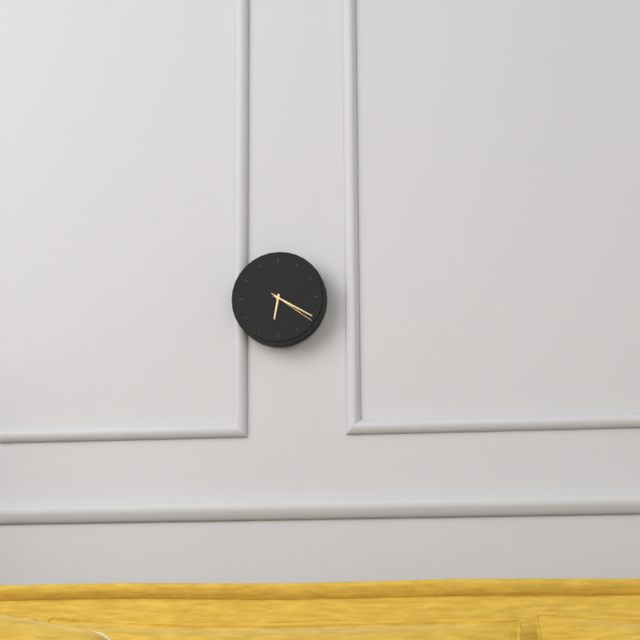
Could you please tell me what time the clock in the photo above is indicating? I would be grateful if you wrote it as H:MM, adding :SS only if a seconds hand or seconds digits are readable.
6:20:21
